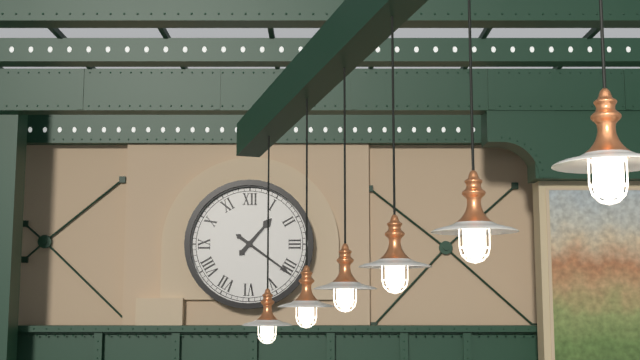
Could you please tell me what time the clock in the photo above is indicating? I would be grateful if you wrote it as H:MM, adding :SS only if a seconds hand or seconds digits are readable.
1:21
